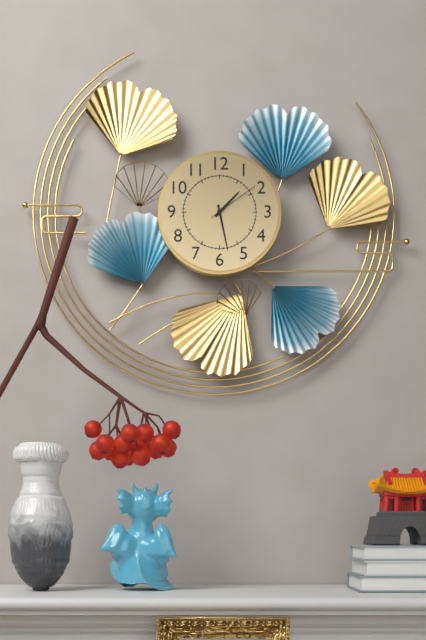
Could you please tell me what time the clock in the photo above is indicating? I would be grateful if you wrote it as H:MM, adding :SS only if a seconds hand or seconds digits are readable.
1:28:09
